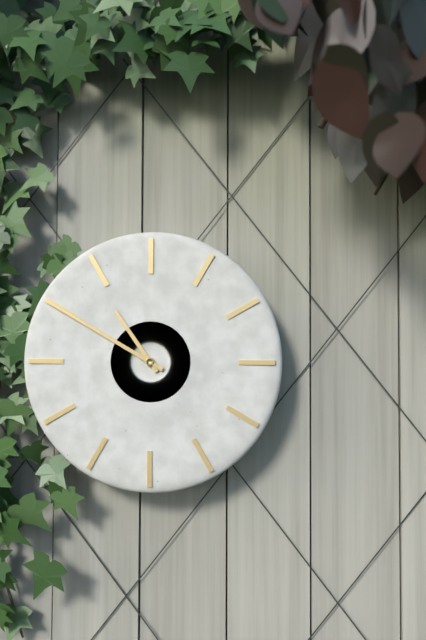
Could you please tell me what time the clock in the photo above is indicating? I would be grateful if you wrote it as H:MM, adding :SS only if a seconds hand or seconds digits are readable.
10:50
